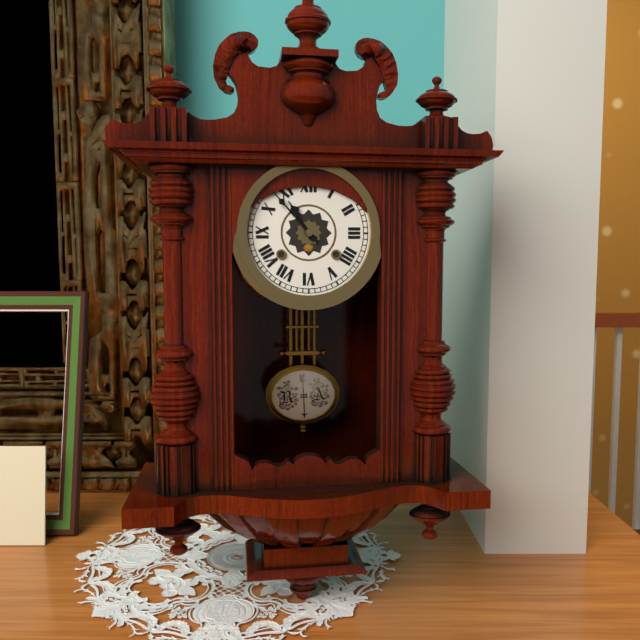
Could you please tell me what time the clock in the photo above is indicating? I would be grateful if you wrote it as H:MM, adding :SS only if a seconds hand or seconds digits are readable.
10:53
